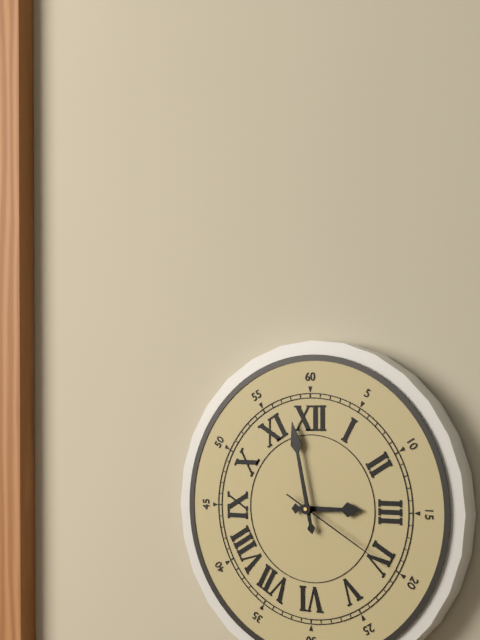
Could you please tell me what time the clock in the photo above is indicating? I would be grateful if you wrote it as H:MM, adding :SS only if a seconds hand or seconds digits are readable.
2:58:20
